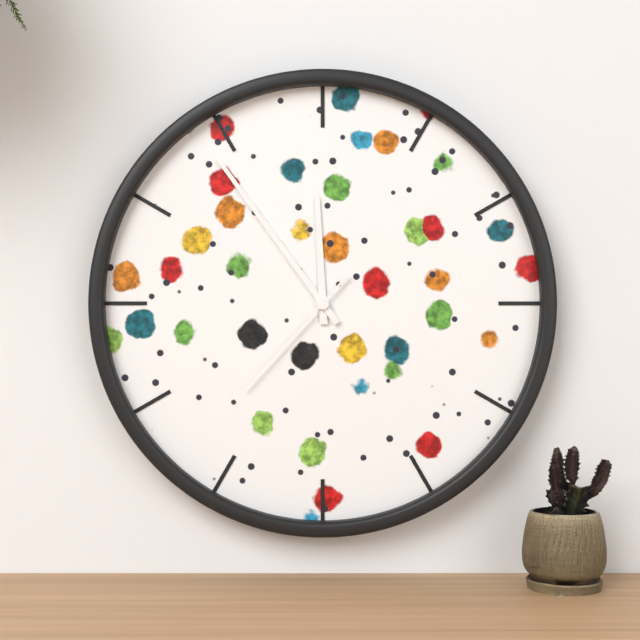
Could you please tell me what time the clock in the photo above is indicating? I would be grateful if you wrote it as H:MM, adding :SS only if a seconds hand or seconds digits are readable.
11:54:37
